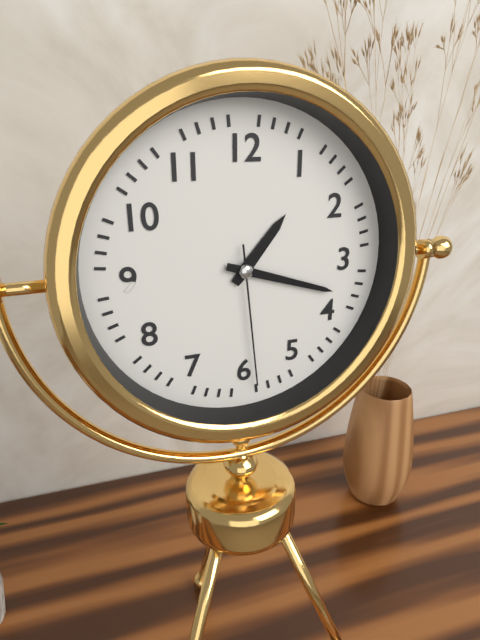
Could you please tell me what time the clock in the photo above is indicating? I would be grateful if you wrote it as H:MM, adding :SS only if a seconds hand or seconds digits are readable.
1:18:29
